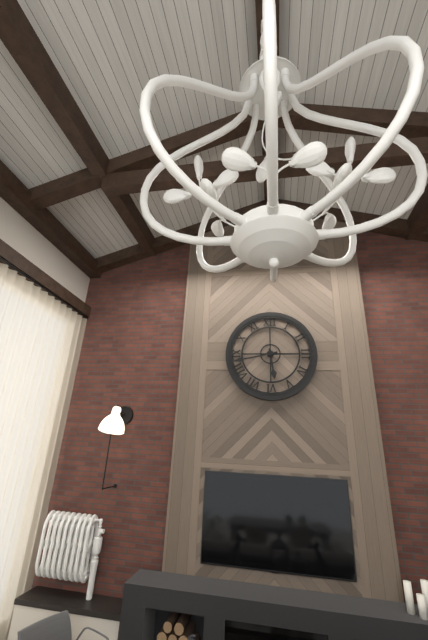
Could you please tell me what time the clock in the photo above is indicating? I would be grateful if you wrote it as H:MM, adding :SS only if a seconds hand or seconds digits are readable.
5:43
